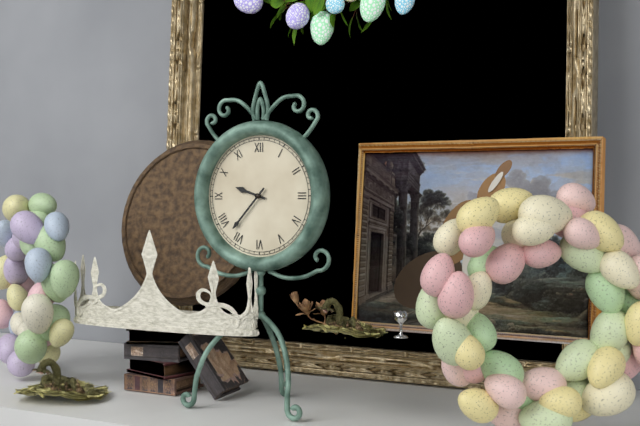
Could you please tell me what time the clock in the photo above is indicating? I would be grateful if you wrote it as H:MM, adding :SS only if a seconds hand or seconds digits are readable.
9:37
